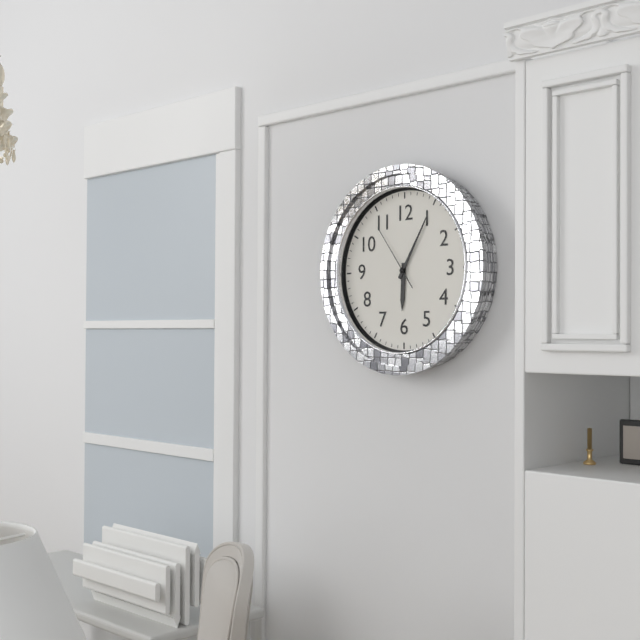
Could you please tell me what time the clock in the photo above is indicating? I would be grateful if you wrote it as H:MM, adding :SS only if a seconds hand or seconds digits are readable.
6:05:54
